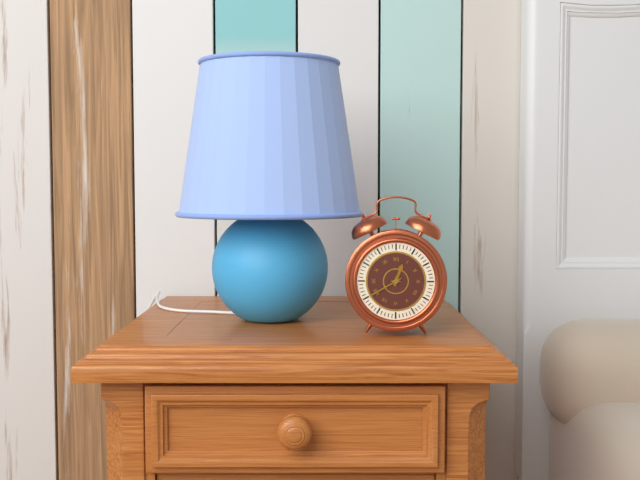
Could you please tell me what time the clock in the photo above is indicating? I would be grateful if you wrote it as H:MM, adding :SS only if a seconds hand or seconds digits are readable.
12:40
